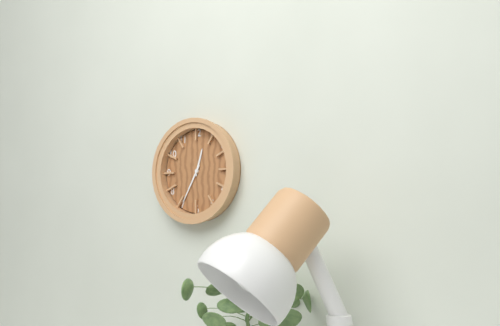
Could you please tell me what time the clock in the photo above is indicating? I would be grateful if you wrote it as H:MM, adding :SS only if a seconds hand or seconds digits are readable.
12:35
